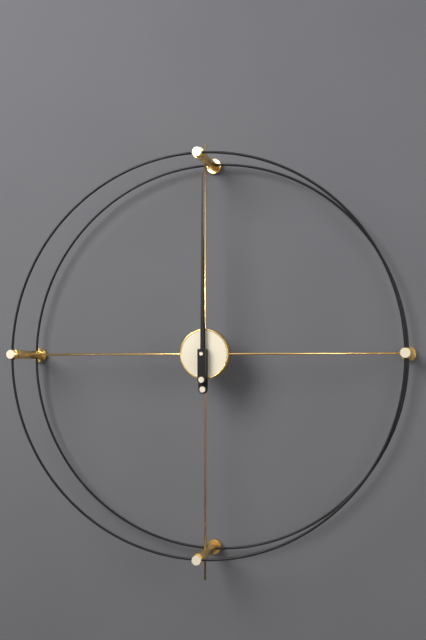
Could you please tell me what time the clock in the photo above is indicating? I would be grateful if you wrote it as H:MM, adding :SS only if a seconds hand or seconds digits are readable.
12:00
